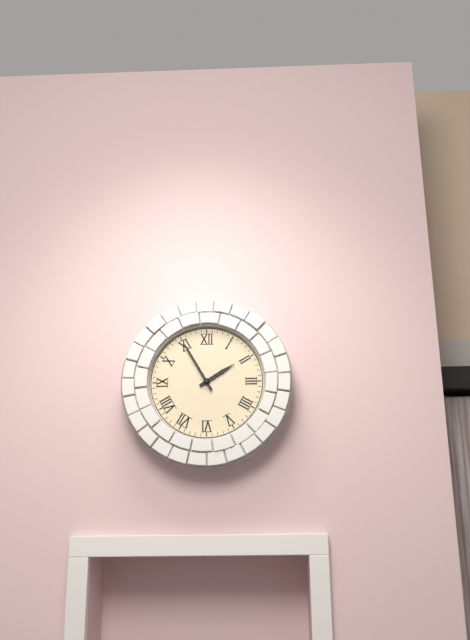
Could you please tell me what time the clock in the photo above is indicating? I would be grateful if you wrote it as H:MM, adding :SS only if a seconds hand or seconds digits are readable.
1:55
